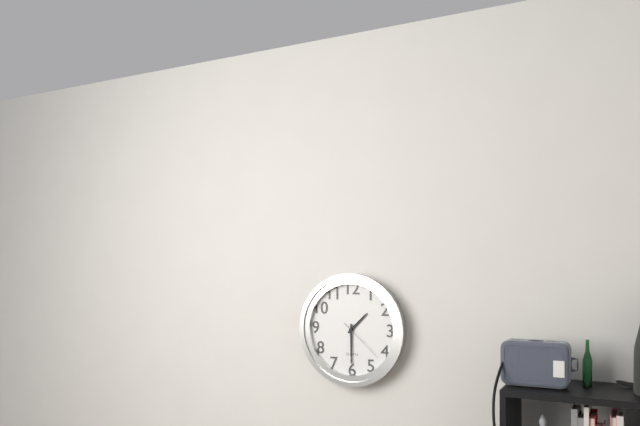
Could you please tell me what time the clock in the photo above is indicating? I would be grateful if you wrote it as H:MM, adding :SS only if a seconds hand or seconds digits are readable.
1:30
